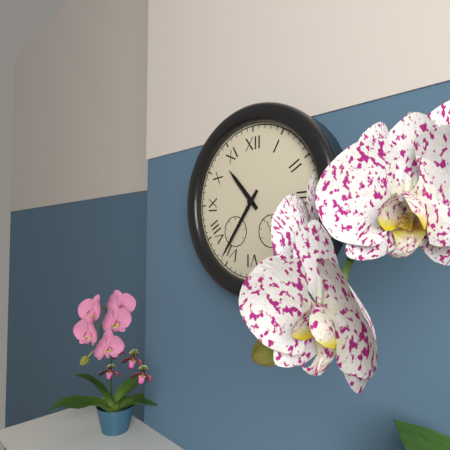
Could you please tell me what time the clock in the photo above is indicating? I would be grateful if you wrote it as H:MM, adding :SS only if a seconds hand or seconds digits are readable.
10:36
